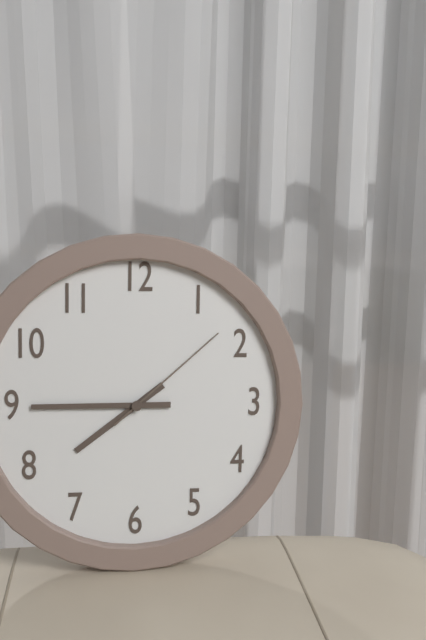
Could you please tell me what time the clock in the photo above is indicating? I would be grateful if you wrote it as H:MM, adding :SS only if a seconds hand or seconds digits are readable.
7:45:08
